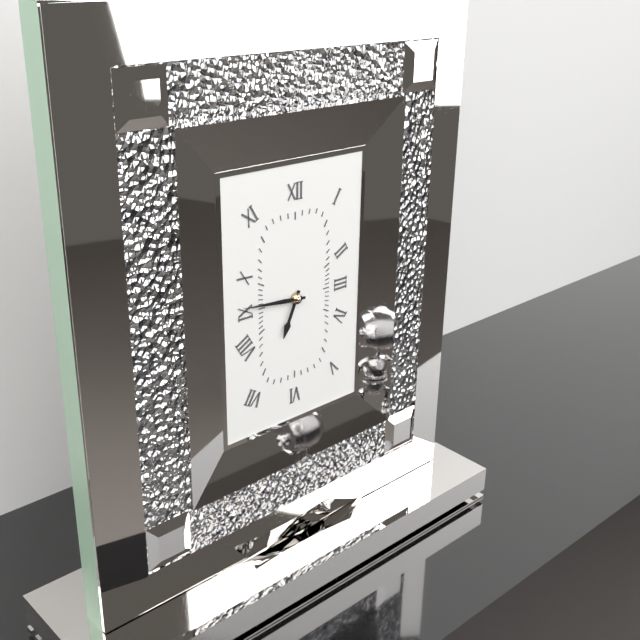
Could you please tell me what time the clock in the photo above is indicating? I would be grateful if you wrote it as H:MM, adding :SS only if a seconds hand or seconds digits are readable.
6:46
